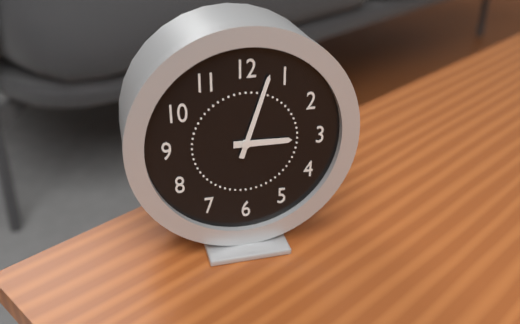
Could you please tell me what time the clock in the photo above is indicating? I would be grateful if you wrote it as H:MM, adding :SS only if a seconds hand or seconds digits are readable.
3:03
